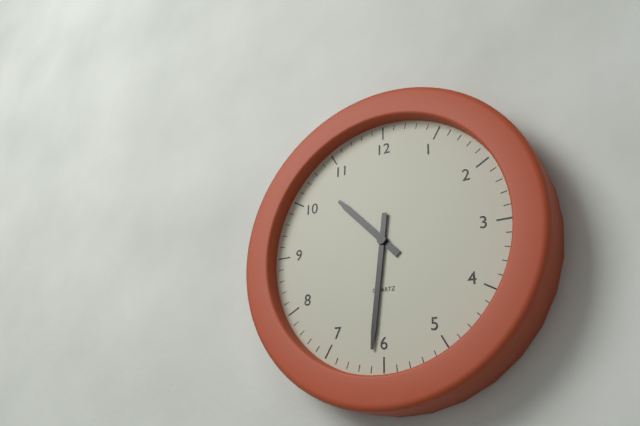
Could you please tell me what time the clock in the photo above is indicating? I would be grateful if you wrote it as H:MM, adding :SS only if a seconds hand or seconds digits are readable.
10:31
